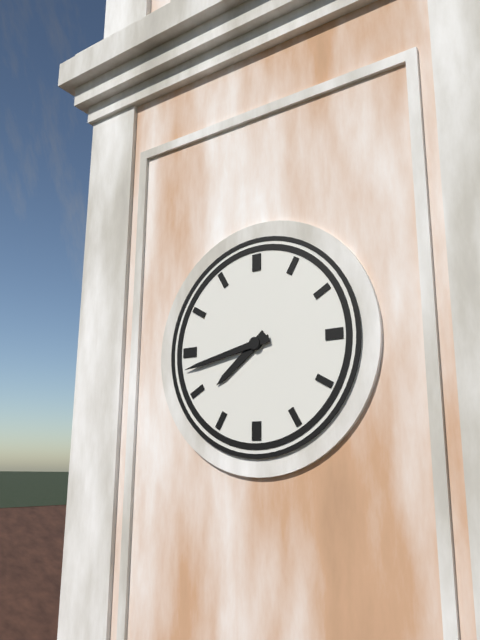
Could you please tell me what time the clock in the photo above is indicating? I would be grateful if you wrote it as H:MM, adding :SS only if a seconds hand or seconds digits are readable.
7:43
